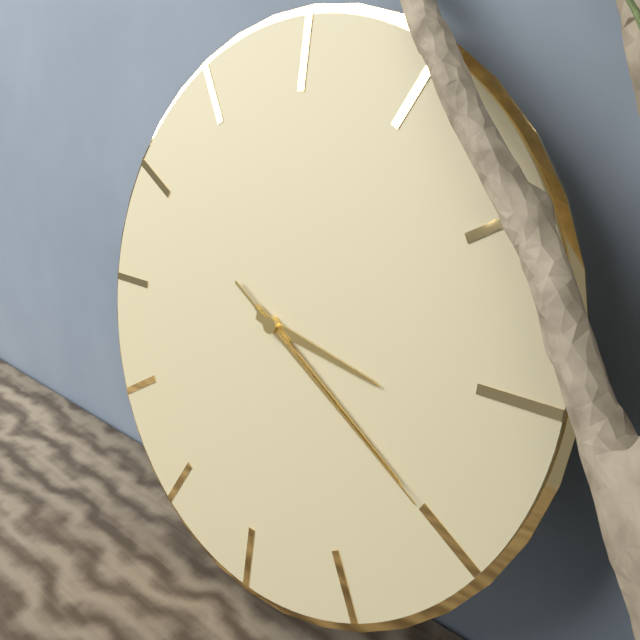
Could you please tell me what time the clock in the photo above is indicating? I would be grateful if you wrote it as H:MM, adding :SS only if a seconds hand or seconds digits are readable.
3:20:20
